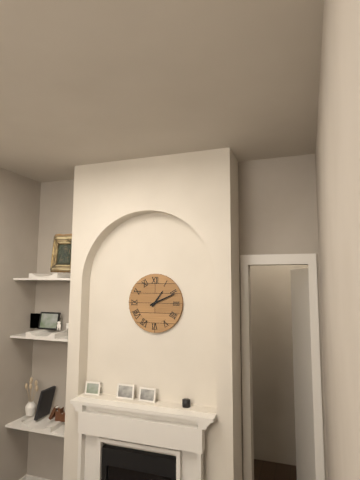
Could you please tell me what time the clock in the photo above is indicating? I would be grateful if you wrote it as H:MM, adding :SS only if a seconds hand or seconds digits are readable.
1:11
